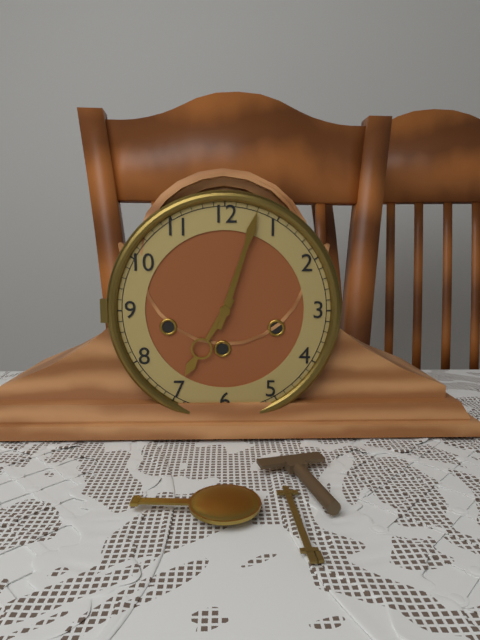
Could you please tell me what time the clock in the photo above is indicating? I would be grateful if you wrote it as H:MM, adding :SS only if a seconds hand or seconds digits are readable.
7:03
